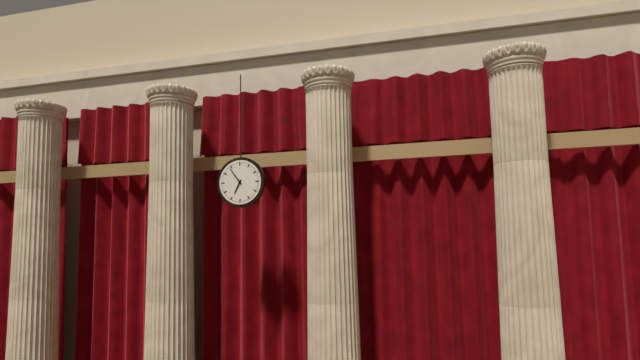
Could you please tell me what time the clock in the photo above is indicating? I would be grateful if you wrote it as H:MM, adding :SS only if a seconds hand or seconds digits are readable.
6:54
